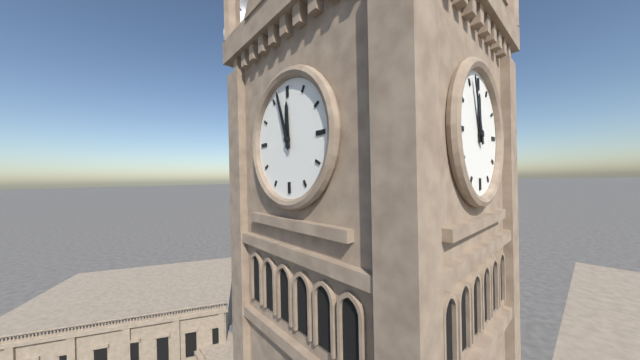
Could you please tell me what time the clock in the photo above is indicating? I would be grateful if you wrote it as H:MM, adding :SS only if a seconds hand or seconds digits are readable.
11:57
